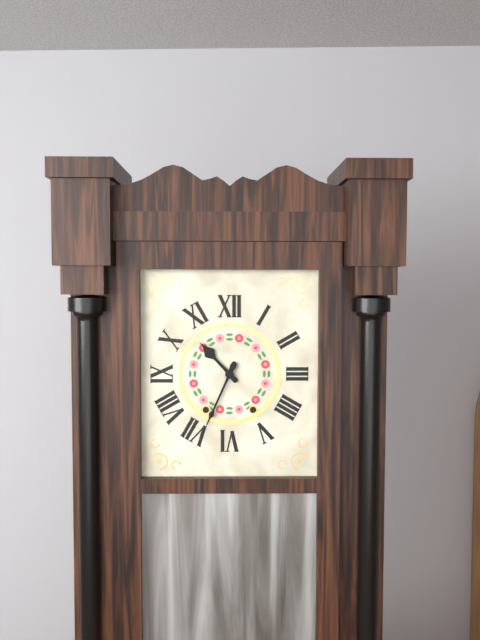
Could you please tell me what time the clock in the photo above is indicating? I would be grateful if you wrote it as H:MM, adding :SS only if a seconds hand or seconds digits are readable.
10:34
